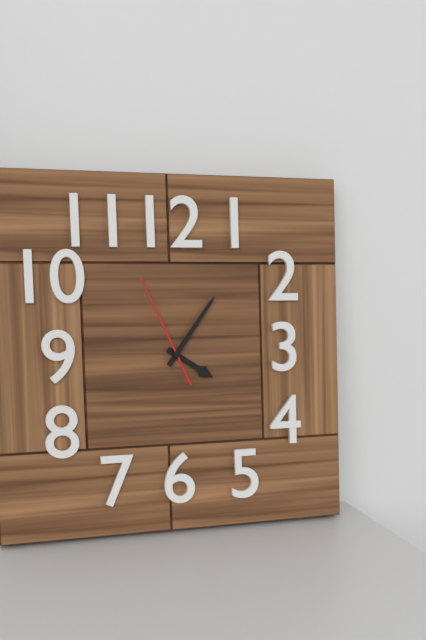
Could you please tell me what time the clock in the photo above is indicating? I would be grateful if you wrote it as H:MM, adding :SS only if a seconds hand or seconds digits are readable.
4:06:56
